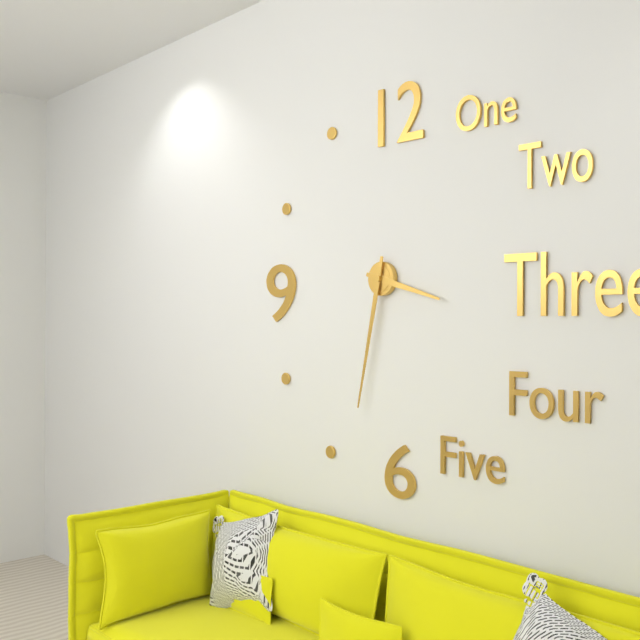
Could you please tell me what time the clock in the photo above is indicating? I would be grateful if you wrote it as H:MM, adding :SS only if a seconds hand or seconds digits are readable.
3:32
